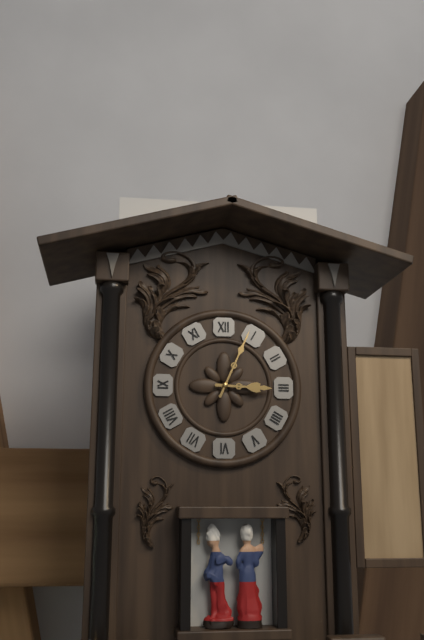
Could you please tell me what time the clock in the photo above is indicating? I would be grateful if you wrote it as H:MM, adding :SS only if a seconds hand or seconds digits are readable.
3:04
